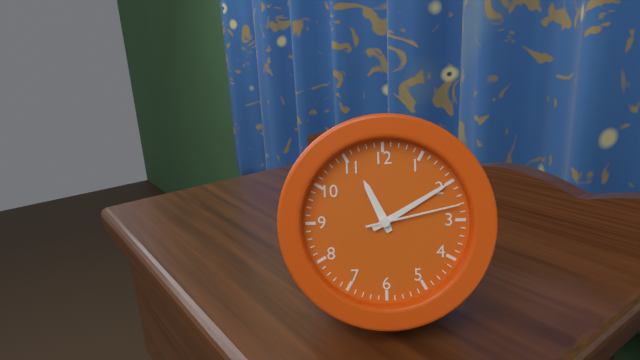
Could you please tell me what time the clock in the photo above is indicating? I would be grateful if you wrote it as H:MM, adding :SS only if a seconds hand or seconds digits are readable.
11:10:13
